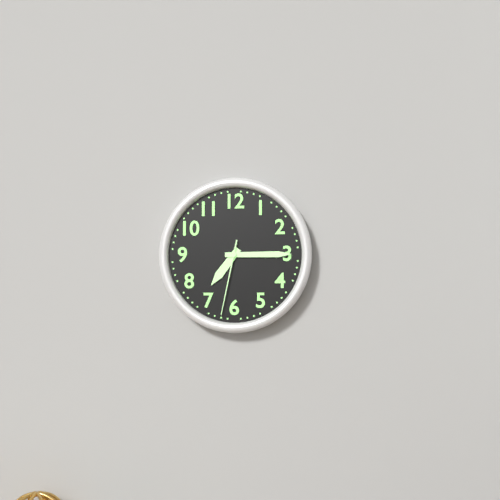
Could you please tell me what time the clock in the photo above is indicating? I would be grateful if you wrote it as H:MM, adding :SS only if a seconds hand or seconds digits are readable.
7:15:32
